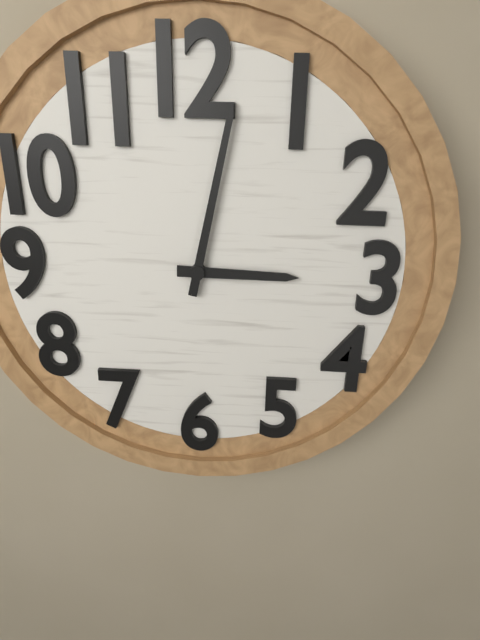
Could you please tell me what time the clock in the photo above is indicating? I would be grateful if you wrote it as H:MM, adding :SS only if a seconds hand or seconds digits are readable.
3:02
